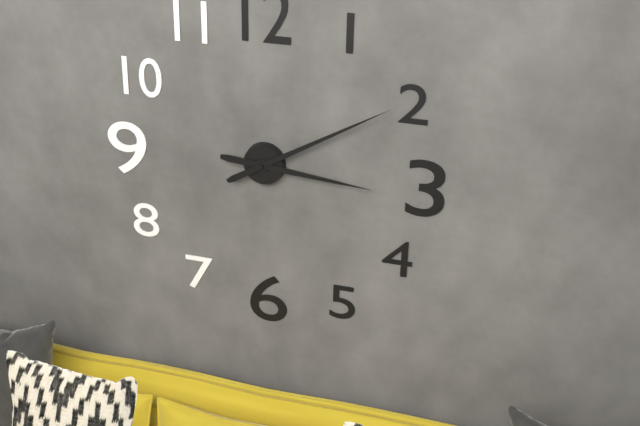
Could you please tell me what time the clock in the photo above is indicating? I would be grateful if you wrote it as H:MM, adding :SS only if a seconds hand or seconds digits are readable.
3:10
